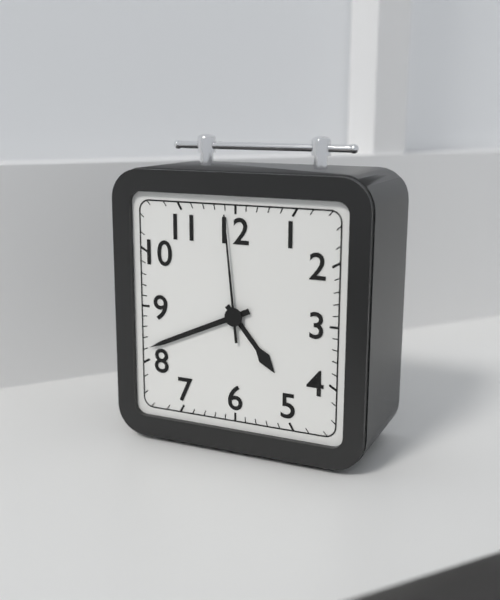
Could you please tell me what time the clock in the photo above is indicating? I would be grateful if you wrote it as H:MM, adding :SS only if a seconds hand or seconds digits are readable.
4:41:59
